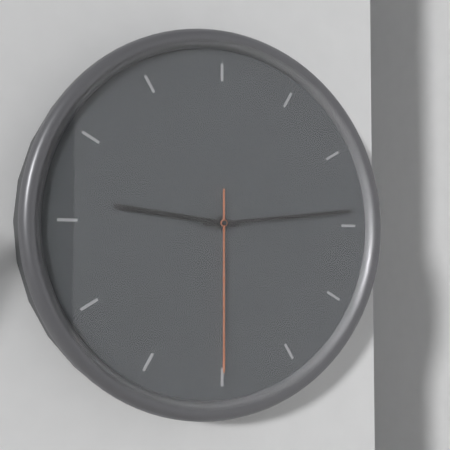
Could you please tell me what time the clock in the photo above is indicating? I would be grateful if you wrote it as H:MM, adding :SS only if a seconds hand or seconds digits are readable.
9:14:30
